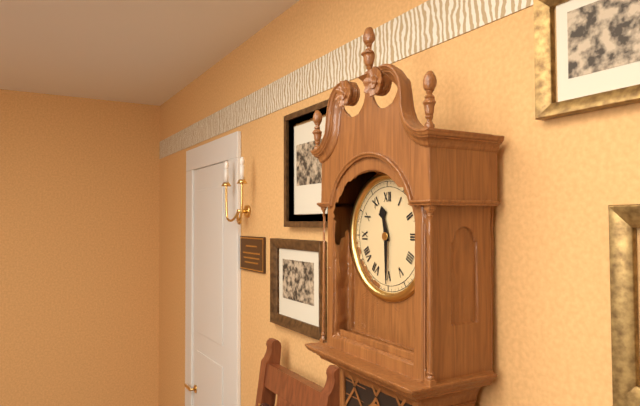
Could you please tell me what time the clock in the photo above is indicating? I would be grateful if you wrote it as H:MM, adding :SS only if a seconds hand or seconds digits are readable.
11:30
